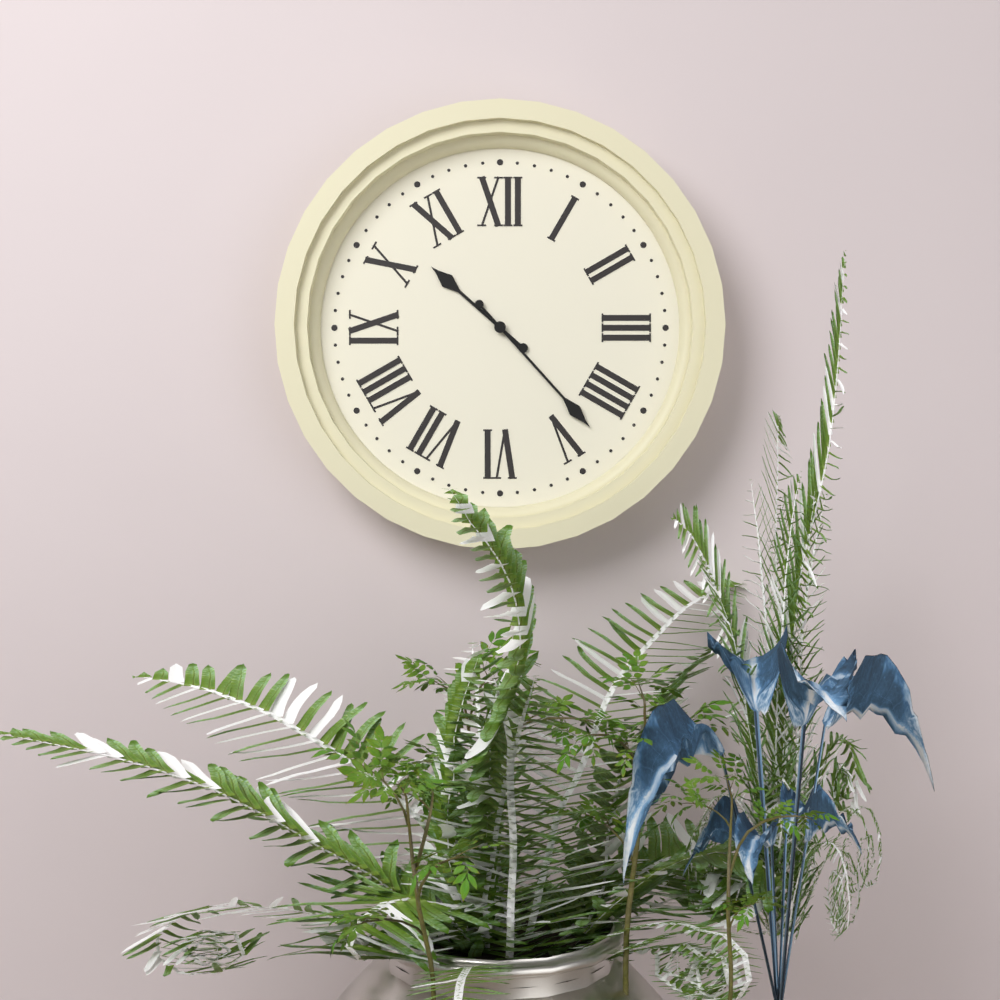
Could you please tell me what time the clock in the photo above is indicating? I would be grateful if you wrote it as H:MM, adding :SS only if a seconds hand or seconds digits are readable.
10:23
